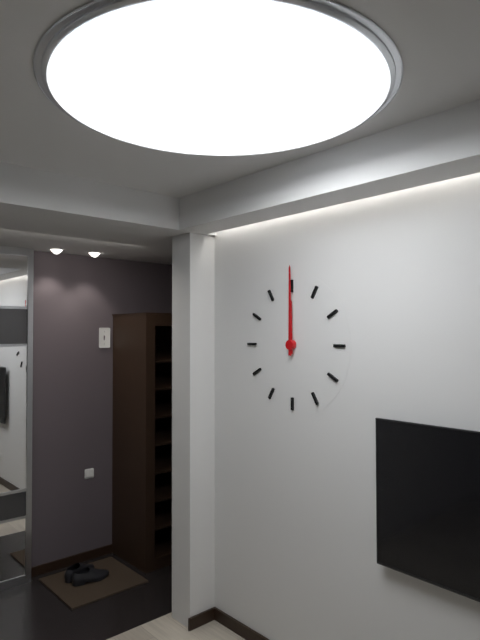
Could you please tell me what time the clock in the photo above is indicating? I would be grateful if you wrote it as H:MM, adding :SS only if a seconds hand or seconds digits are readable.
12:00
